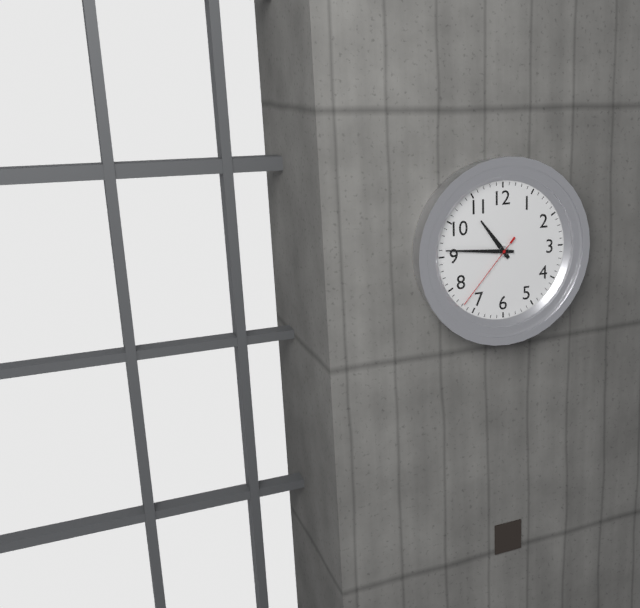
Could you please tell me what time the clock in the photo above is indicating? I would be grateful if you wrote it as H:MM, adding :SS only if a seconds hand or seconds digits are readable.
10:46:37
